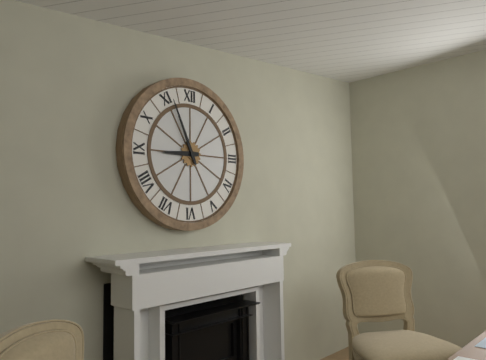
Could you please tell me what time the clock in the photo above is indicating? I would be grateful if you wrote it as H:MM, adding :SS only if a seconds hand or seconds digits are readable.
8:56
